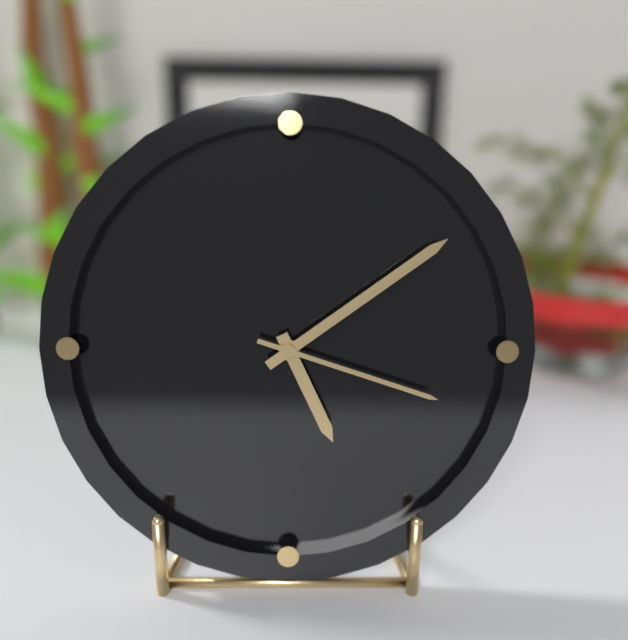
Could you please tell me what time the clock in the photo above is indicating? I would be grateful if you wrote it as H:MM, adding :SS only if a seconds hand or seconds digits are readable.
5:09:18
